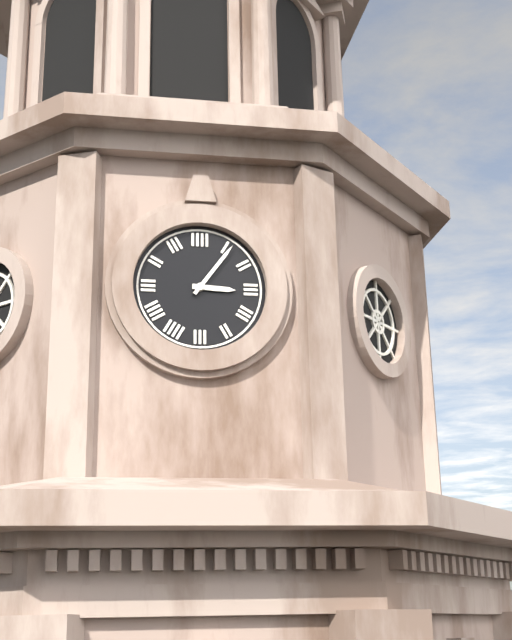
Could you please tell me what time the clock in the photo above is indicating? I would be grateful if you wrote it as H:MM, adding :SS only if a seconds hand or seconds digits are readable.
3:06
